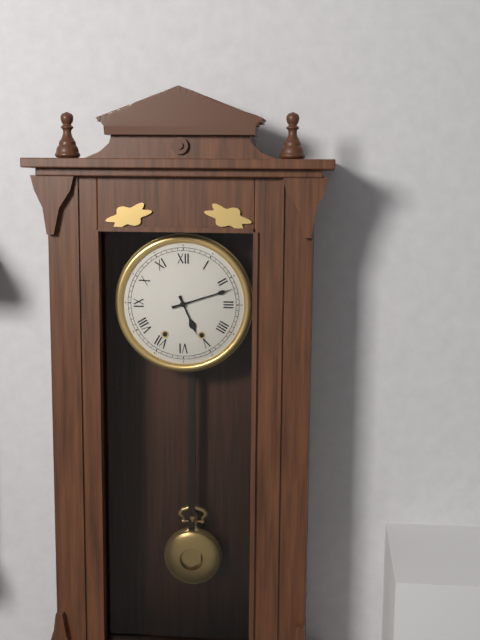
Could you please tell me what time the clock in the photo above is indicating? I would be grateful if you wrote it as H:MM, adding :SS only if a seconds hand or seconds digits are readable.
5:12
